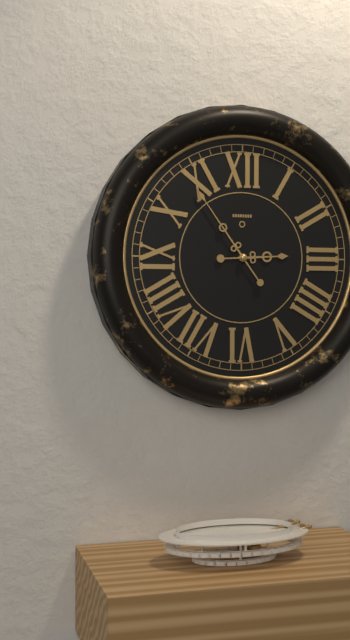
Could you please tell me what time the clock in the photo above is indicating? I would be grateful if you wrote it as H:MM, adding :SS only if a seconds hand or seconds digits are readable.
2:54
